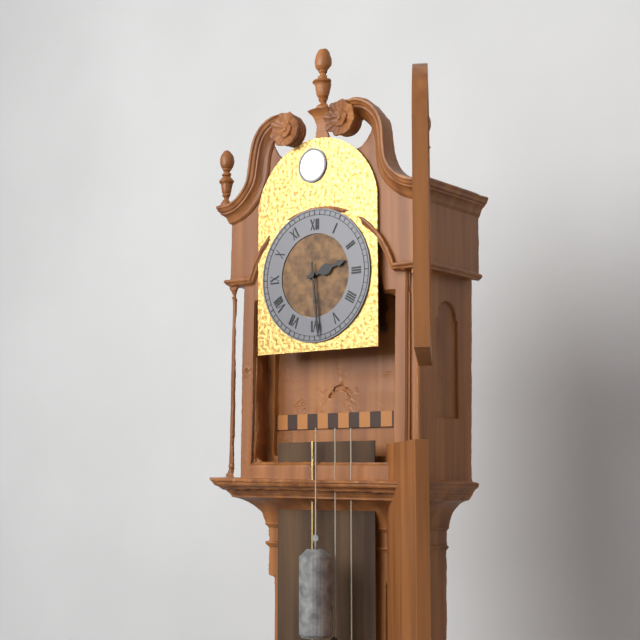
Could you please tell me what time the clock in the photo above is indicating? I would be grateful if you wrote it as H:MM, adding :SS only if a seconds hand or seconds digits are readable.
2:29
